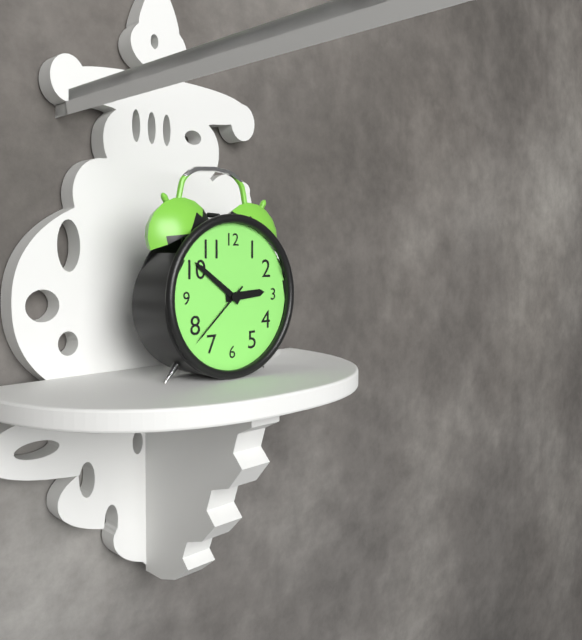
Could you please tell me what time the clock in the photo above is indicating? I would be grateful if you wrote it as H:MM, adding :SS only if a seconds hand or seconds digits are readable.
2:51:38
